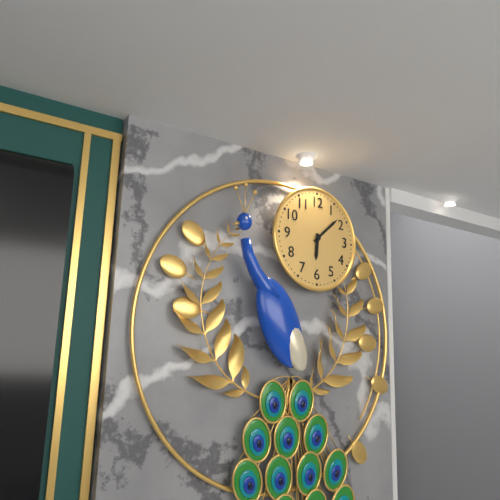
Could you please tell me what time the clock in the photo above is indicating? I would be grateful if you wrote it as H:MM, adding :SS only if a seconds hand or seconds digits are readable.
6:08
